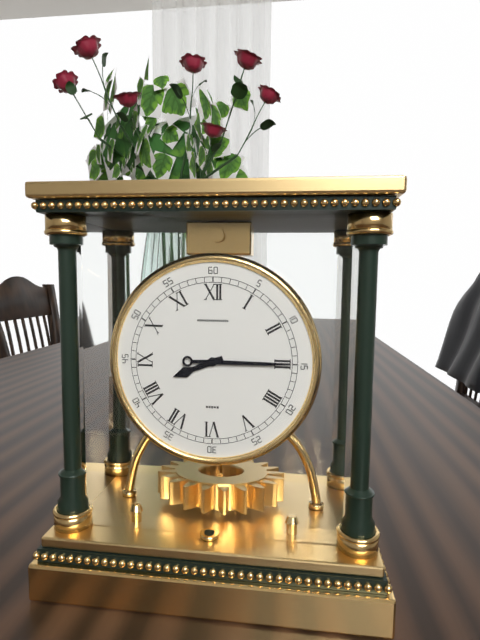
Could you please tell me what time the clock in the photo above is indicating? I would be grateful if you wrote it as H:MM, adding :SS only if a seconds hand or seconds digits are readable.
8:15
